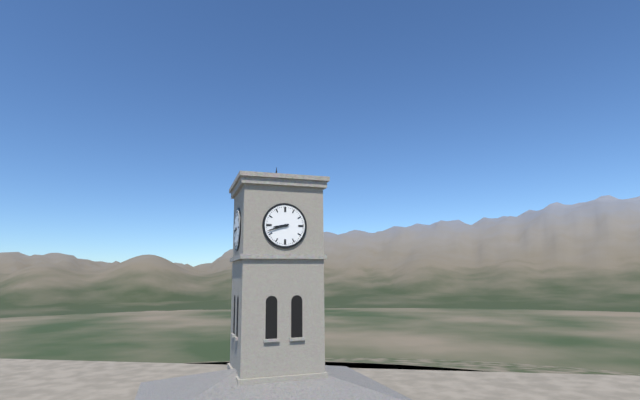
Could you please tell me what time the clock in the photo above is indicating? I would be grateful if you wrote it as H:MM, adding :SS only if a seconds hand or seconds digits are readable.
8:42
